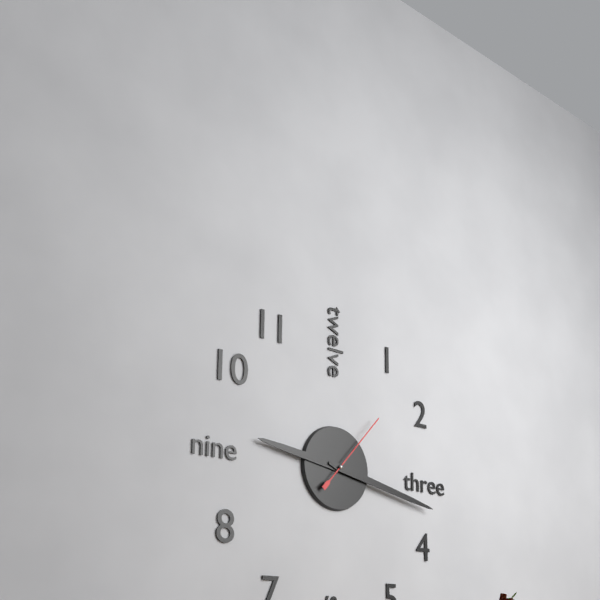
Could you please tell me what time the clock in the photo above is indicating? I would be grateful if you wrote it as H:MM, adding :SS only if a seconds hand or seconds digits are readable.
9:17:07
